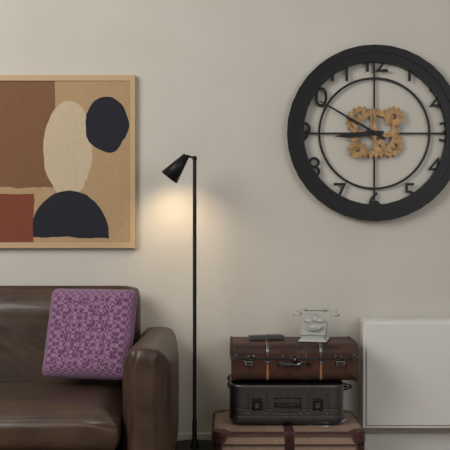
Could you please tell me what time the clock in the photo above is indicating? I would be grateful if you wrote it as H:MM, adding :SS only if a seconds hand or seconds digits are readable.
8:50
